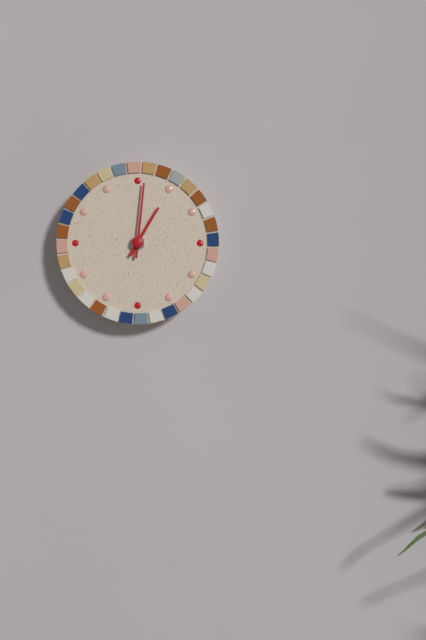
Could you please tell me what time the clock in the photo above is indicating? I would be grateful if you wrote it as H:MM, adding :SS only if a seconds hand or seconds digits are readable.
1:01
